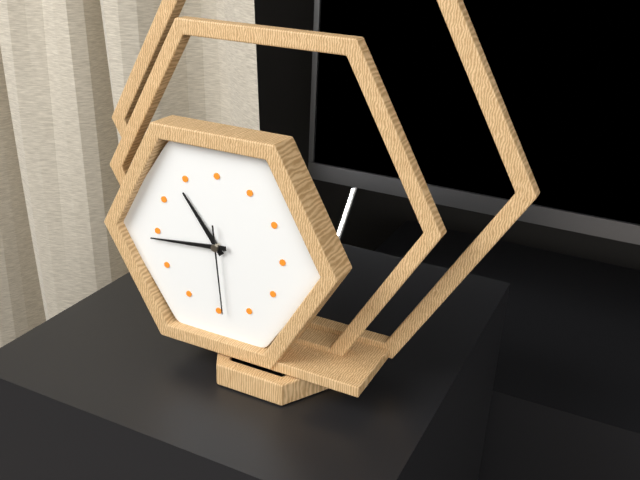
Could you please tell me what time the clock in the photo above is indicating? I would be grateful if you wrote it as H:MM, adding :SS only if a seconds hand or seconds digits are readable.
10:44:29
